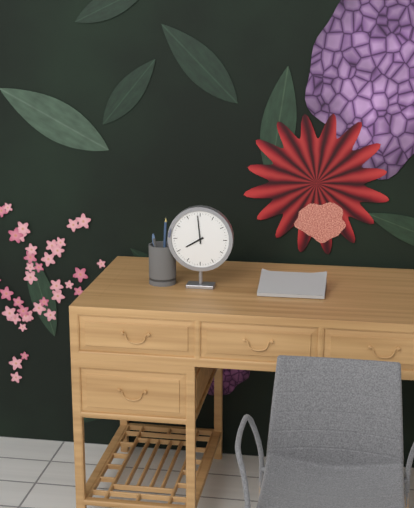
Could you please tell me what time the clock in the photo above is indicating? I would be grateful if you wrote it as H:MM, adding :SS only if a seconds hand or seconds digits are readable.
7:59
